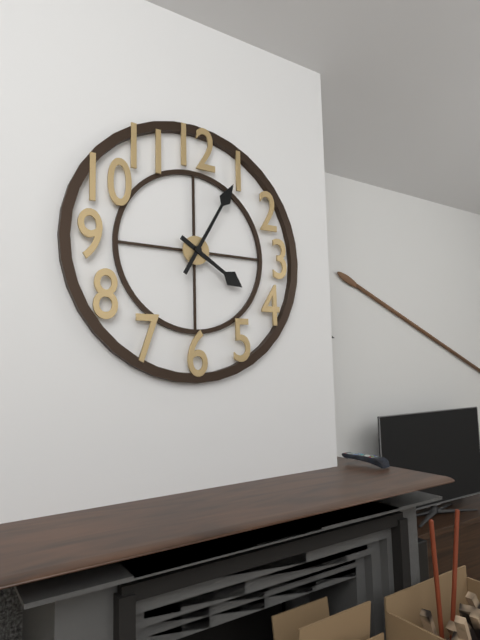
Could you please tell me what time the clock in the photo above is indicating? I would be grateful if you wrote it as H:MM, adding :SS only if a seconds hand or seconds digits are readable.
4:05
